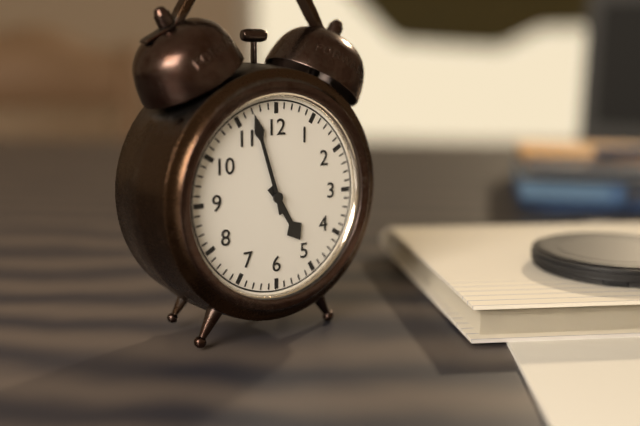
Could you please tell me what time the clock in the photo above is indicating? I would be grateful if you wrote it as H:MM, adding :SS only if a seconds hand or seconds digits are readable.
4:57
